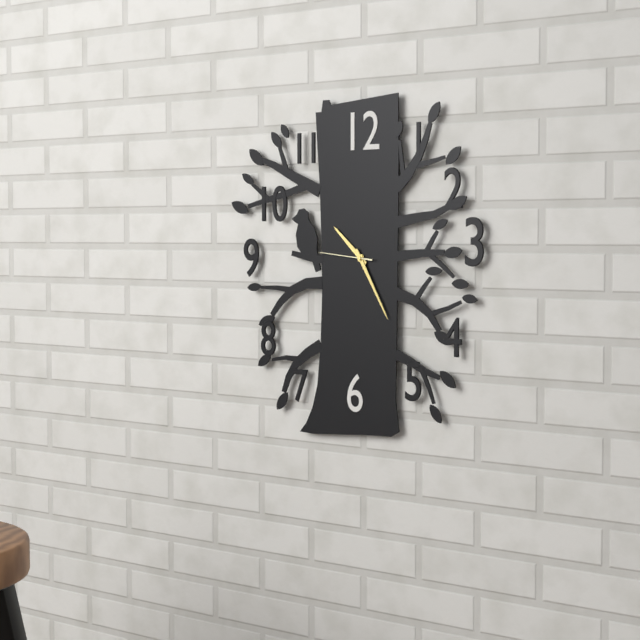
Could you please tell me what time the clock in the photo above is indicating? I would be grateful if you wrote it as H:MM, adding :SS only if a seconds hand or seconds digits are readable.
10:25:46
